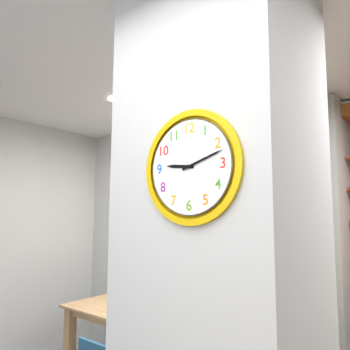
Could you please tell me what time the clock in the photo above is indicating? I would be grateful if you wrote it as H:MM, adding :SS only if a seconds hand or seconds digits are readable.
9:12
